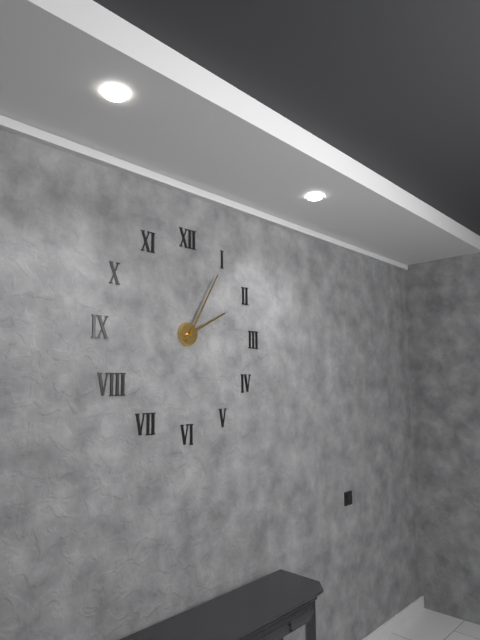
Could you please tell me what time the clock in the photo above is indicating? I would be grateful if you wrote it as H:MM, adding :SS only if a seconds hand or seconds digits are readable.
2:05
